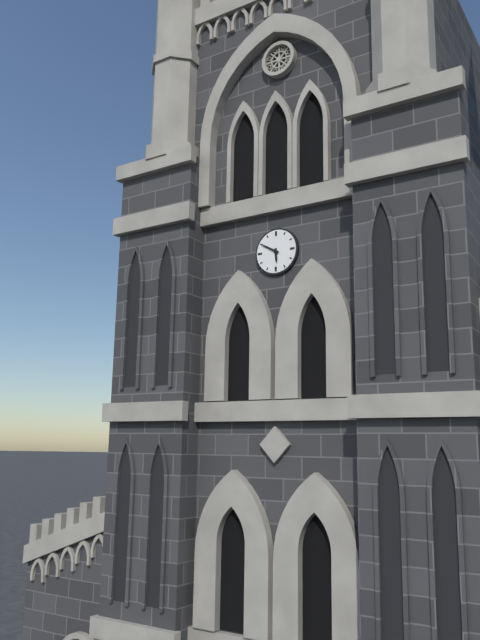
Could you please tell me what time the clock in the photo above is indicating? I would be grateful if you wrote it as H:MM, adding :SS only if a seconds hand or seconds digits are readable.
5:50
